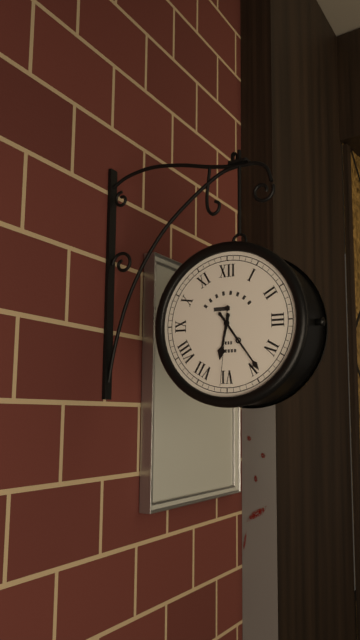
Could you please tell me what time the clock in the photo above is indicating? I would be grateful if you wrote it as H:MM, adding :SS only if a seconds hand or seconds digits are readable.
6:24:31
